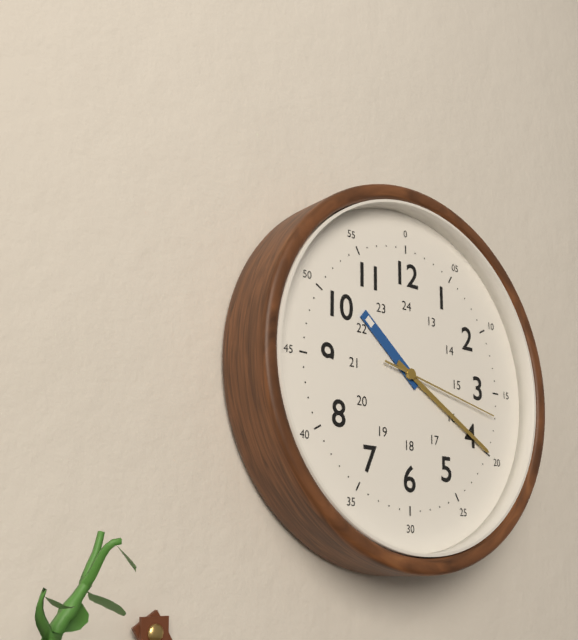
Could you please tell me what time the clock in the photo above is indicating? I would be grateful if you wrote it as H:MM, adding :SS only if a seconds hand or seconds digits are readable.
10:20:17
